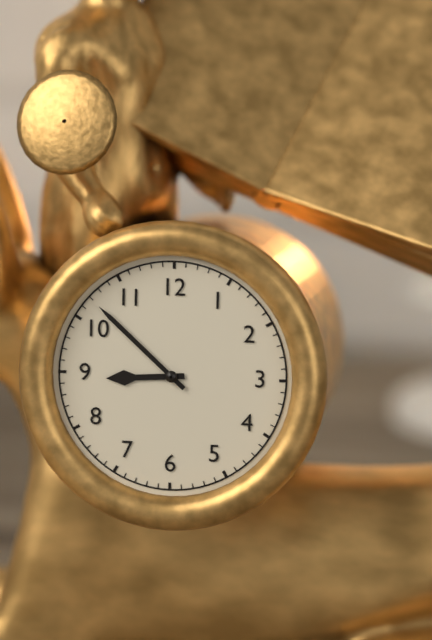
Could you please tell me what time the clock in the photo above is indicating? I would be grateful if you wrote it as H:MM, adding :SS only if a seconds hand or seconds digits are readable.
8:52
